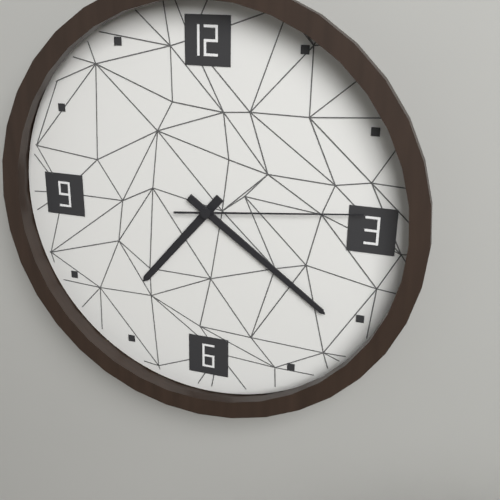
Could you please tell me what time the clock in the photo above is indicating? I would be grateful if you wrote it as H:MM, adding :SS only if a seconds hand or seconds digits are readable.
7:21:14
